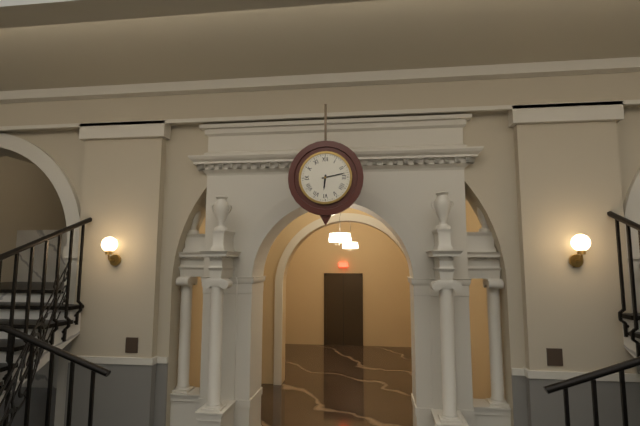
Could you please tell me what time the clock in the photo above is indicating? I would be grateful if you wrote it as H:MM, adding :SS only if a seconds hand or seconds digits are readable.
6:13
